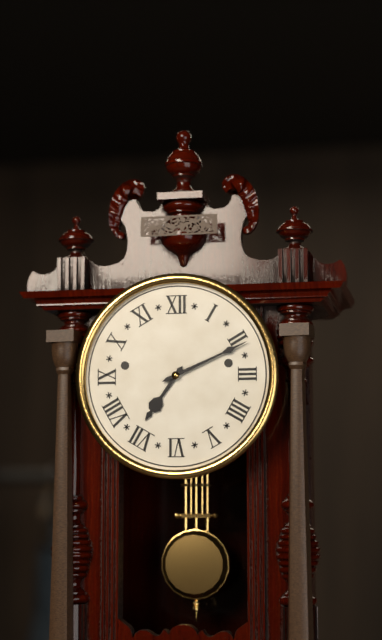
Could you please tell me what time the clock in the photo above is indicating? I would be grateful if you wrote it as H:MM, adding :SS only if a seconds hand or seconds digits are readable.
7:11
